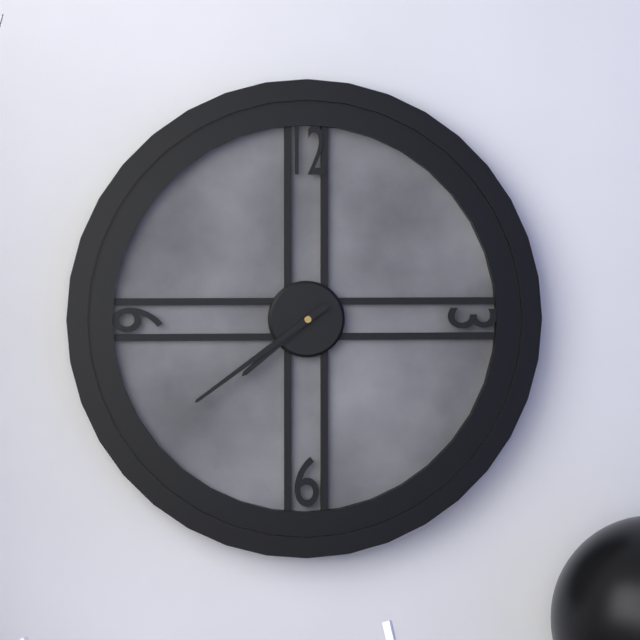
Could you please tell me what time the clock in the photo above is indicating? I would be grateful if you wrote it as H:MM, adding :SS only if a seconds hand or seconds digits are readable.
7:39
